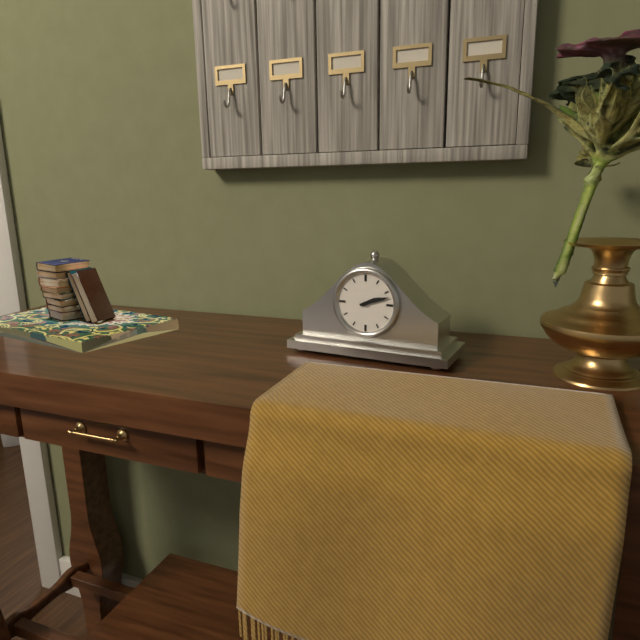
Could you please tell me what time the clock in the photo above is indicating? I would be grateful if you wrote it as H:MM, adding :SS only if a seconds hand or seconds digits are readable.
2:12
